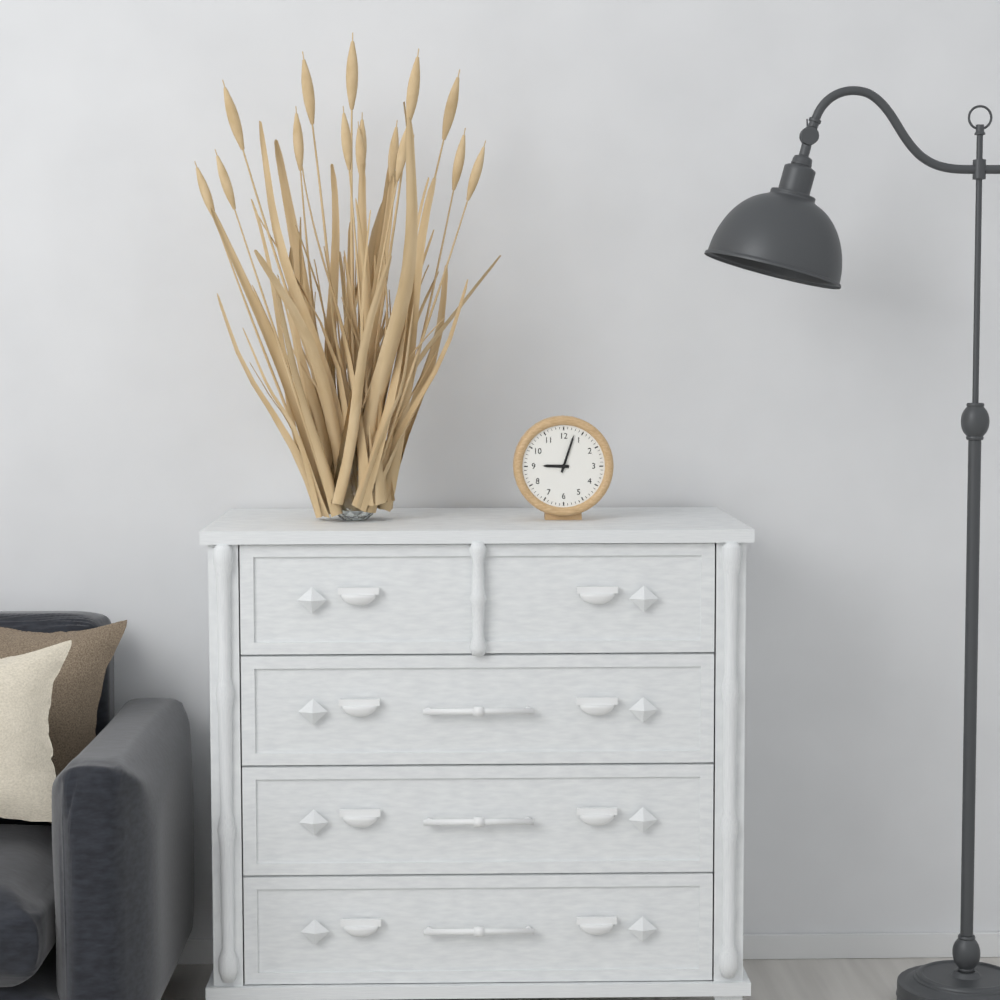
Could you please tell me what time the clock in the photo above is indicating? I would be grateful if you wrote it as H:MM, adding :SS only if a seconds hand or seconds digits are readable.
9:03
